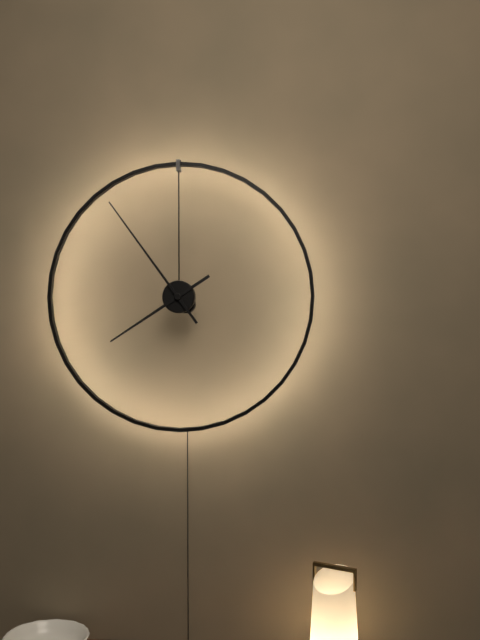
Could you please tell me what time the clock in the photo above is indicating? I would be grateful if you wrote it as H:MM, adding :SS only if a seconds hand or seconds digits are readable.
7:54
